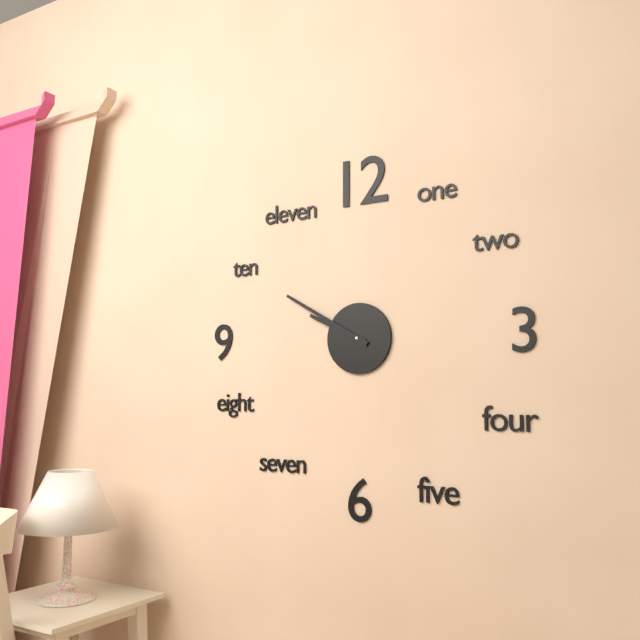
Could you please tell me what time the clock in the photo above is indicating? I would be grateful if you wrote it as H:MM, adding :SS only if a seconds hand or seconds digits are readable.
9:50
